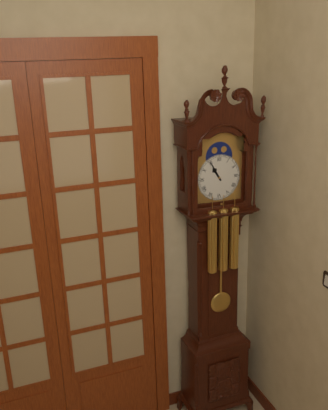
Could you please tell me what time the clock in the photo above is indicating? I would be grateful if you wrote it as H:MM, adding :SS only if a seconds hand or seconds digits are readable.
10:55
